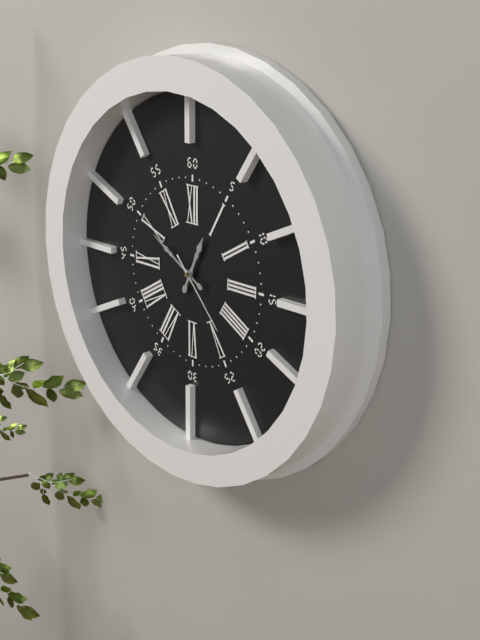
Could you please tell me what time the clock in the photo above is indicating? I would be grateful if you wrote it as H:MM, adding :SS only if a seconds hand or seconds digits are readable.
12:50:23
